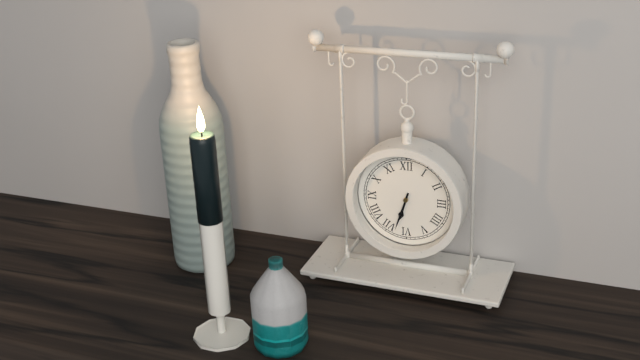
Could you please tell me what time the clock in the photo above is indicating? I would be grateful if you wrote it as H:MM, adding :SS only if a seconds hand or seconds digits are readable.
6:33
